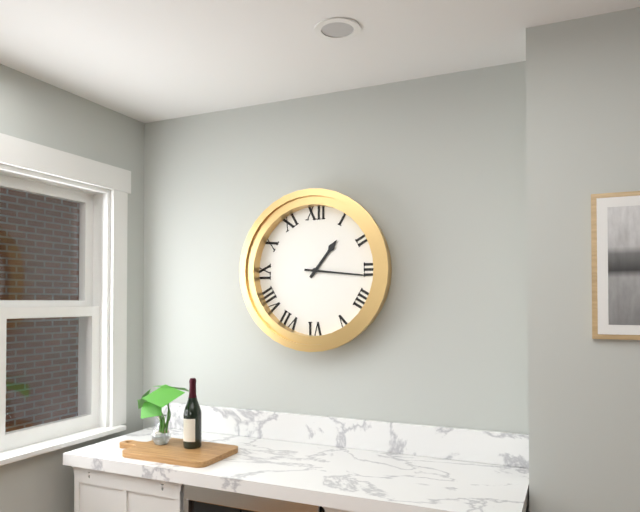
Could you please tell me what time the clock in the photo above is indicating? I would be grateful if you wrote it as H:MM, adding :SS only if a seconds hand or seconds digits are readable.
1:16
